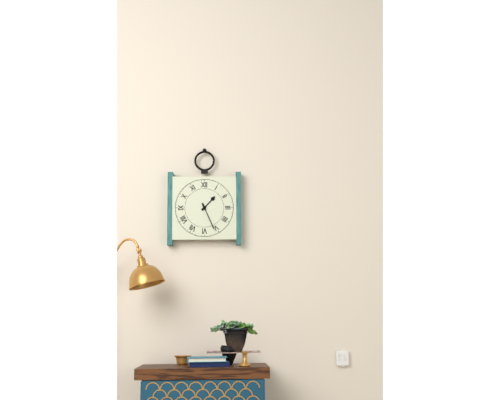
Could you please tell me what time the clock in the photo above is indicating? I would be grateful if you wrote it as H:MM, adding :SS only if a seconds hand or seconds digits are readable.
1:26
